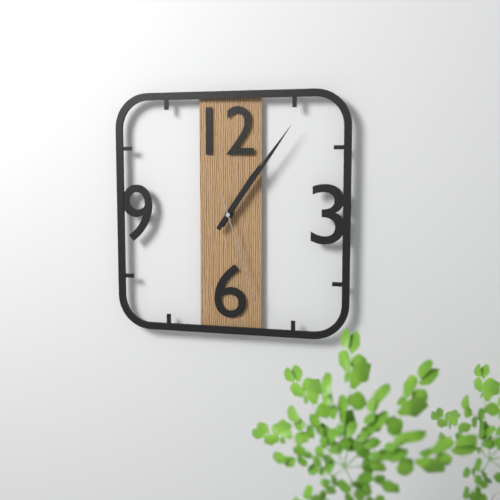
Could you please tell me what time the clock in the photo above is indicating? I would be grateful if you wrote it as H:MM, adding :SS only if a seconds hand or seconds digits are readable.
1:06:27
